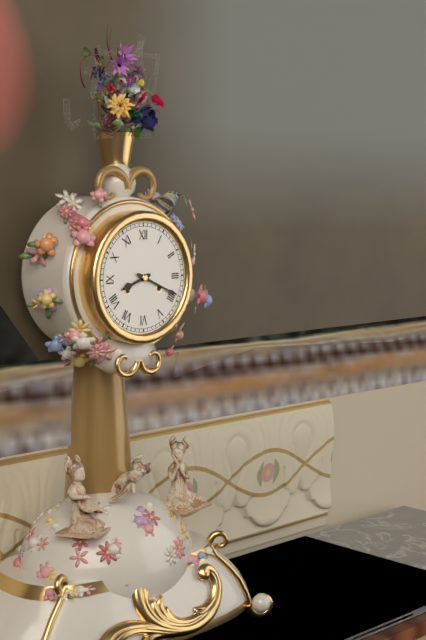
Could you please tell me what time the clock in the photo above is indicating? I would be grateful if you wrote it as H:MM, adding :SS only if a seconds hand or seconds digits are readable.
8:19
